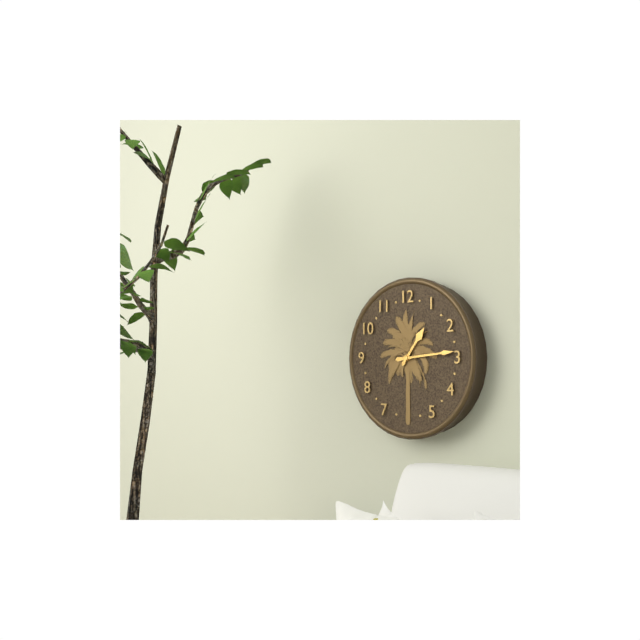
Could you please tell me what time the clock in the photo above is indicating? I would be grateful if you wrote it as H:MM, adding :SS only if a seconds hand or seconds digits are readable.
1:14
